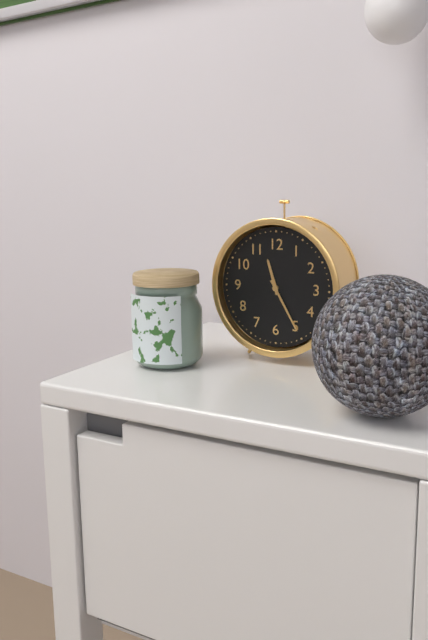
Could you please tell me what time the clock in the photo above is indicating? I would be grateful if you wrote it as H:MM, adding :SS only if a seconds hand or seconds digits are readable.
11:25
